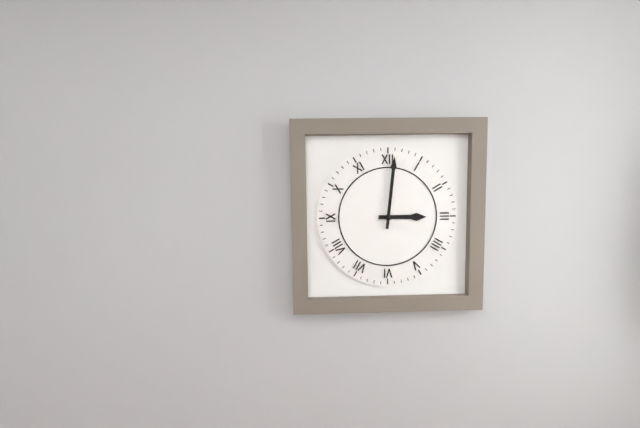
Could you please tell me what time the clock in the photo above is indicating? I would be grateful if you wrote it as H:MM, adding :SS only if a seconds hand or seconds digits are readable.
3:01
